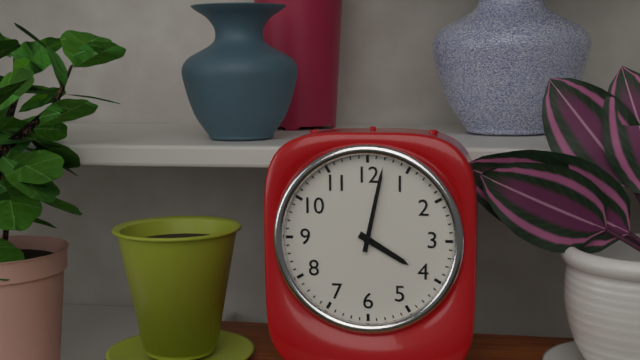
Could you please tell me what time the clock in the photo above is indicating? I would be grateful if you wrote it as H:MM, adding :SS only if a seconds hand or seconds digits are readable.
4:02
